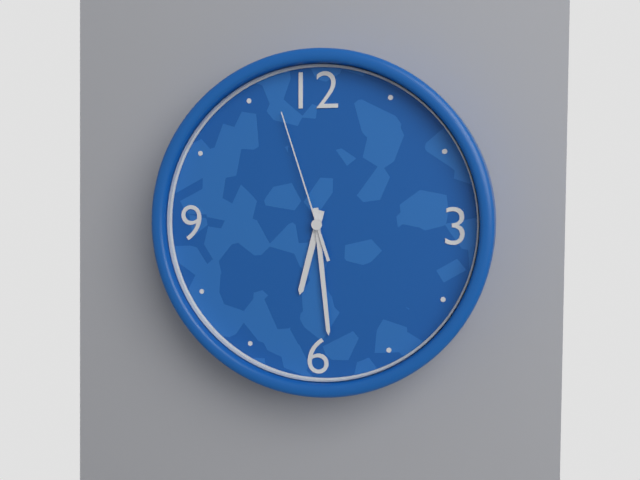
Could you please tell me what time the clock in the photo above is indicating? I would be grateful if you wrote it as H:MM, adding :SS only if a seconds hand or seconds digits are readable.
6:29:57
